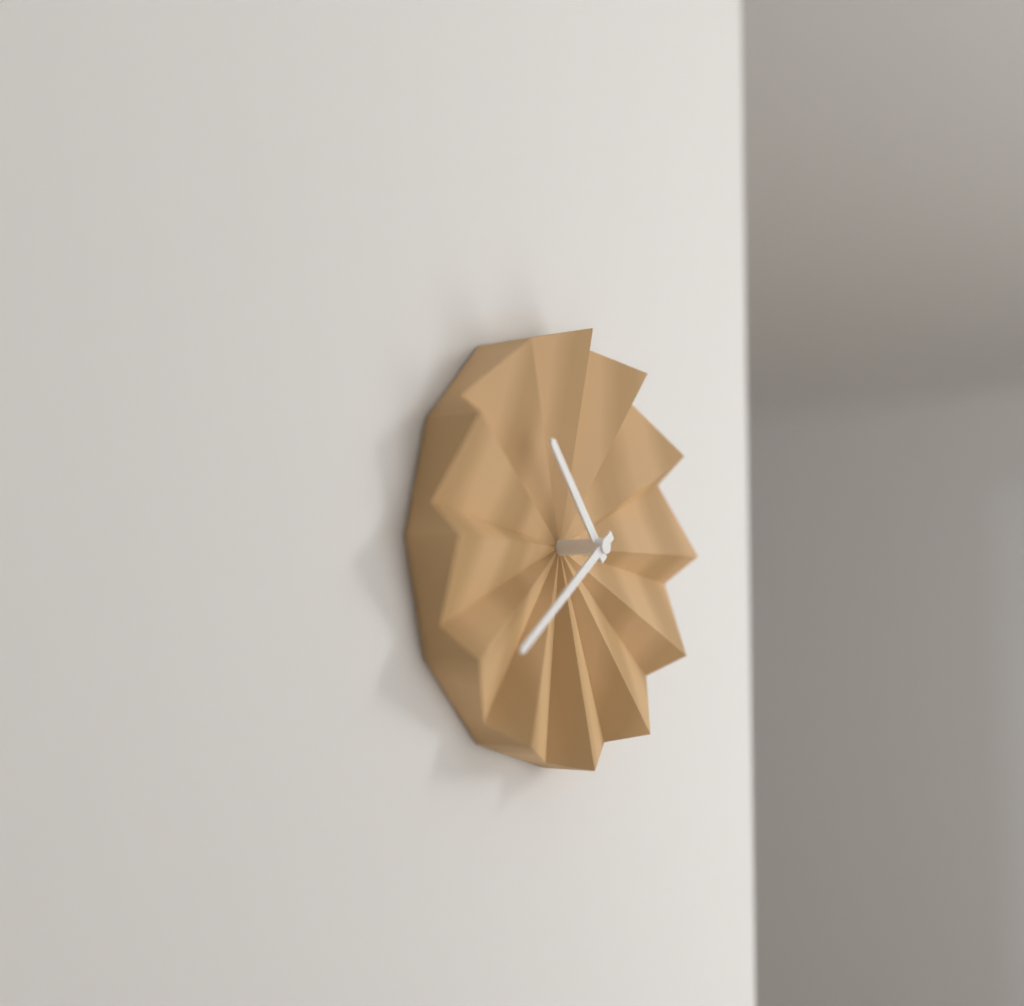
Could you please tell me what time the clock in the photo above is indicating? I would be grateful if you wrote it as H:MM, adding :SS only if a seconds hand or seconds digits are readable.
10:39
